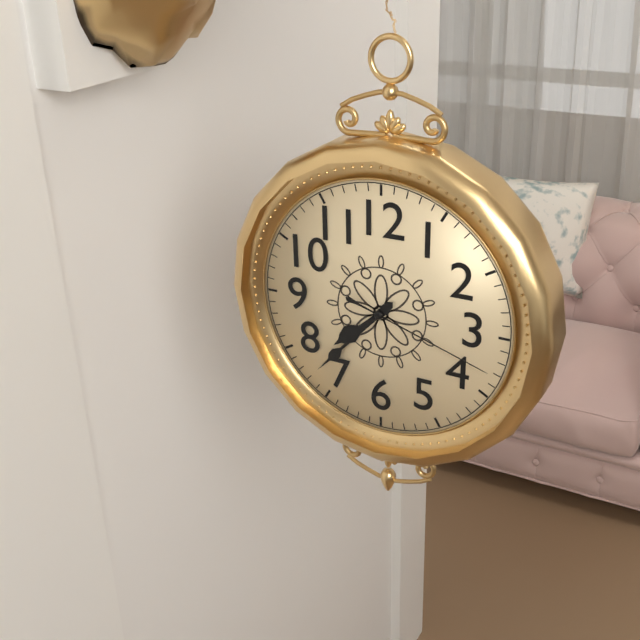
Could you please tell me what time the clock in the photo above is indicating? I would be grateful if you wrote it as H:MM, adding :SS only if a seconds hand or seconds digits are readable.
7:37:18
